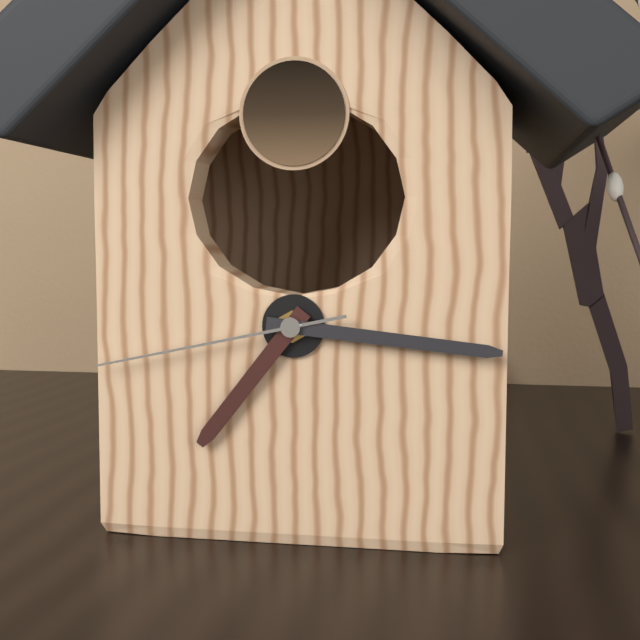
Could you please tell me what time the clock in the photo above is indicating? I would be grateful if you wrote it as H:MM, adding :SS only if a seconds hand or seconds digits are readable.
7:16:43
